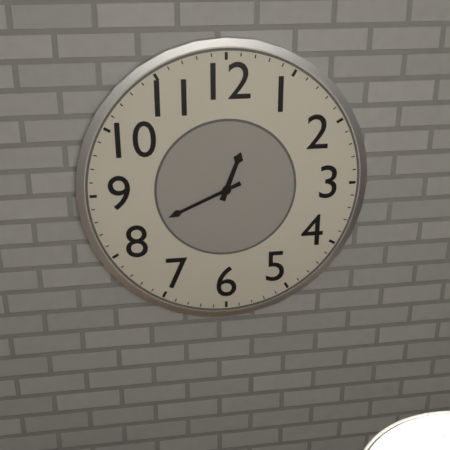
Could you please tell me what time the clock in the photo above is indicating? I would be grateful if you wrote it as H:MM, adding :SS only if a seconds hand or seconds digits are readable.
12:41
